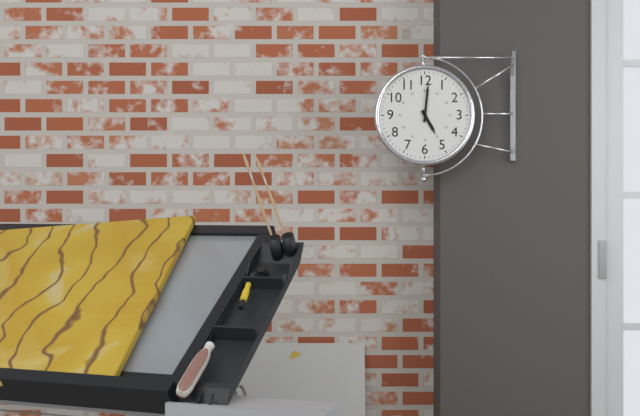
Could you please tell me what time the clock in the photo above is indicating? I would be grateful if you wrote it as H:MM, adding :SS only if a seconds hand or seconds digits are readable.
5:01
